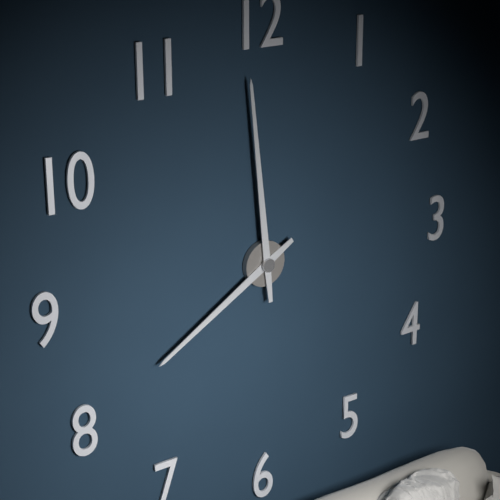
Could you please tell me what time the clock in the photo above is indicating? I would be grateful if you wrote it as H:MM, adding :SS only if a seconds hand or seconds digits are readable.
7:59
